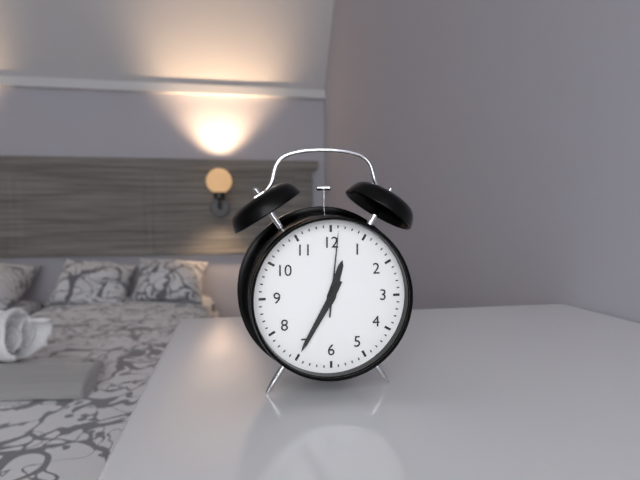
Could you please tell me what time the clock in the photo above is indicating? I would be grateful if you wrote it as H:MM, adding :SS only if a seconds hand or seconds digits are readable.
12:35:01
